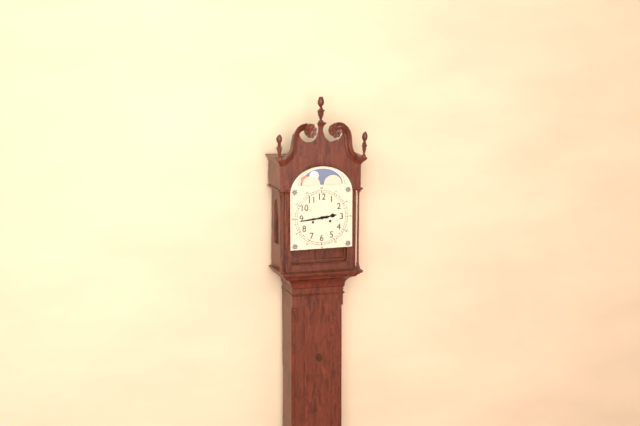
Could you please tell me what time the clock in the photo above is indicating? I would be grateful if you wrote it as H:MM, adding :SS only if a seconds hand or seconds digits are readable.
2:44
